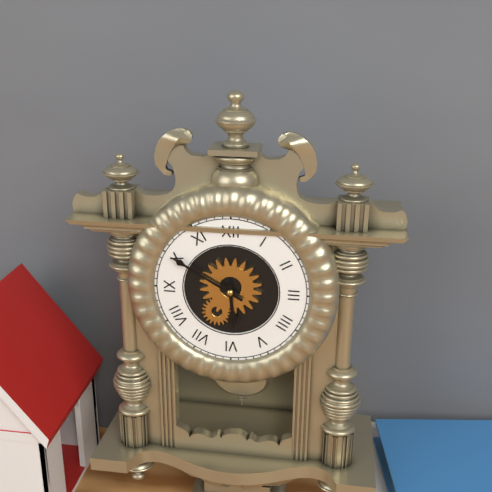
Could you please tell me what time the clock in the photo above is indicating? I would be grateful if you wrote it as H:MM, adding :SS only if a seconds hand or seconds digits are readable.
5:50
